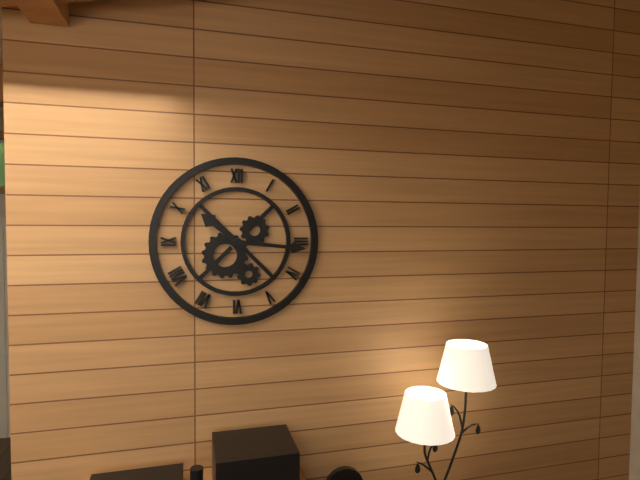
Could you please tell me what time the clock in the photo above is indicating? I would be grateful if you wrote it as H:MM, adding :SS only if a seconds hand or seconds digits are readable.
10:16
